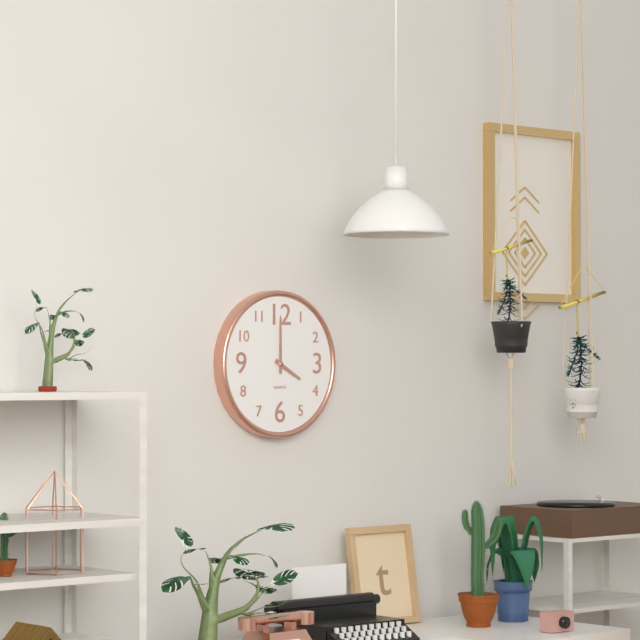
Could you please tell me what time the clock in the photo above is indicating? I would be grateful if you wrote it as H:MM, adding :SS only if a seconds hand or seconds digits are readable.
4:00
